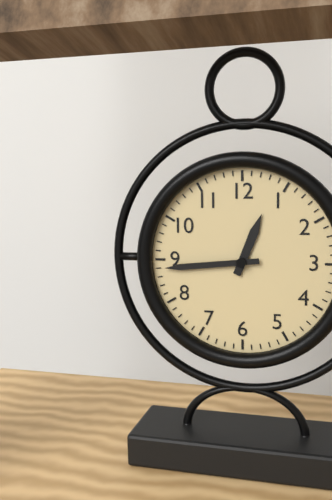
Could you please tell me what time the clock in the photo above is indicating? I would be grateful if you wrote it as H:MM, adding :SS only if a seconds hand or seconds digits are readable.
12:44
